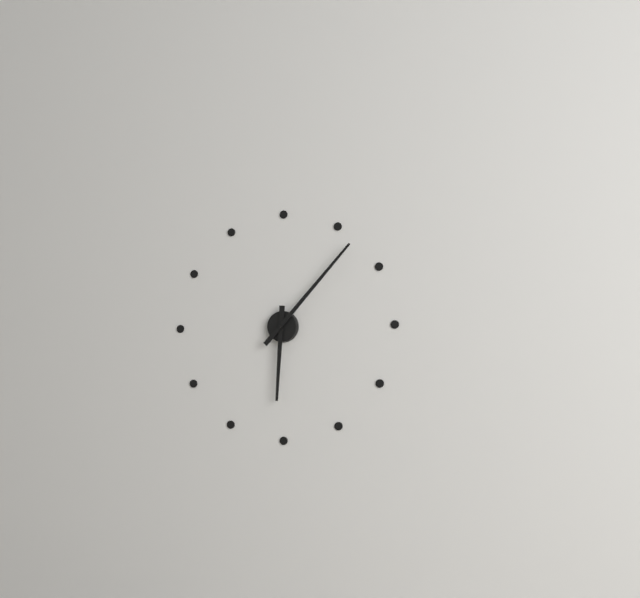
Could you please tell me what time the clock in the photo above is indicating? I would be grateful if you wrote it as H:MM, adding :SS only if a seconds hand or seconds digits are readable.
6:07
